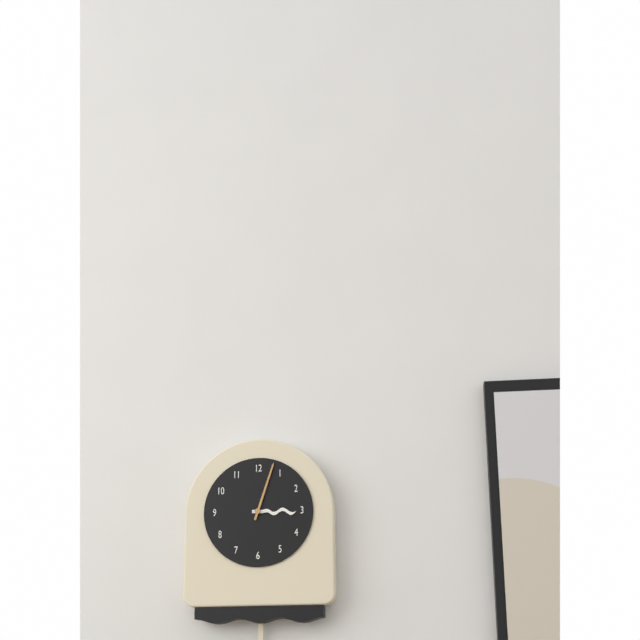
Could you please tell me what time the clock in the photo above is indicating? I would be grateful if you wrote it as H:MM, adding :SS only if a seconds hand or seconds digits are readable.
3:03
